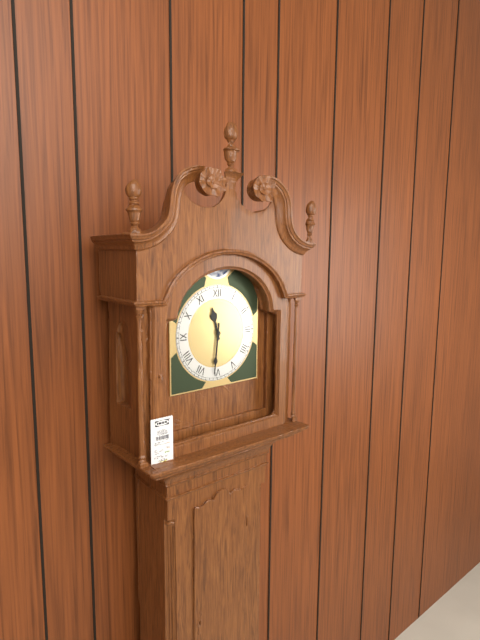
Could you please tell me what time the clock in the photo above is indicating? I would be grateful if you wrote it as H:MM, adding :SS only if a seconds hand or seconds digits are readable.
11:31
